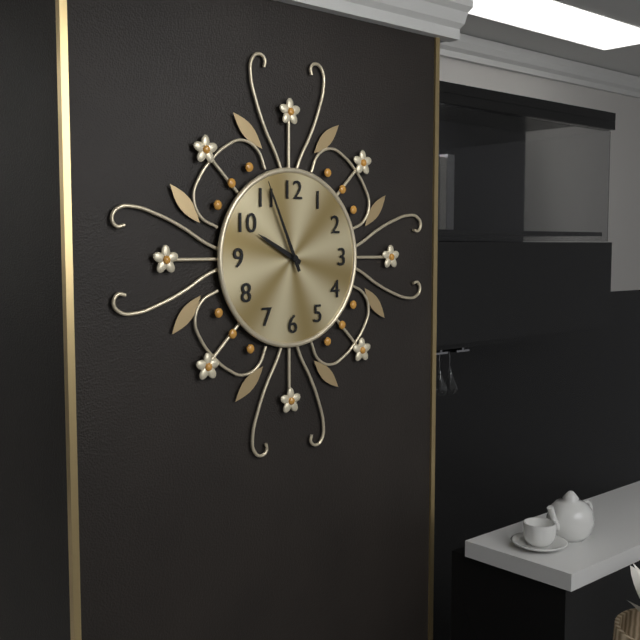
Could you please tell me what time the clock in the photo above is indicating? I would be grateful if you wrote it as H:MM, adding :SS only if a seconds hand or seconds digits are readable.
9:56
